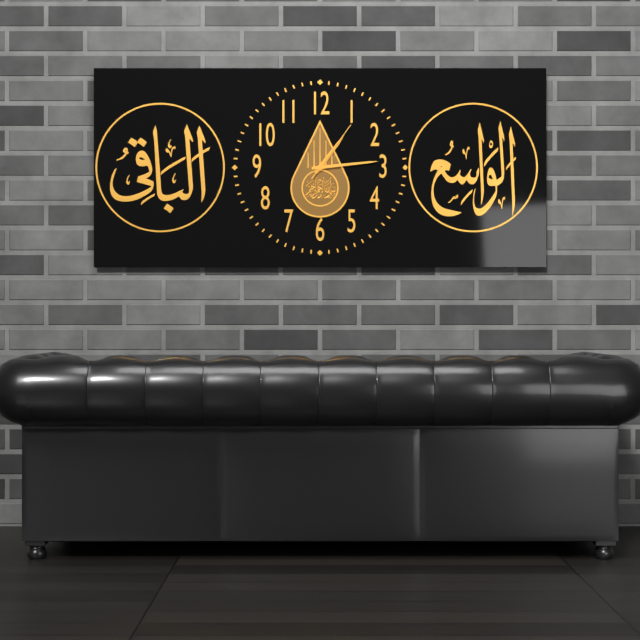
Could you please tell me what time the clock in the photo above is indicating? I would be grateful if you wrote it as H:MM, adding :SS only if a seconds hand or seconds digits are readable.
1:14:06
